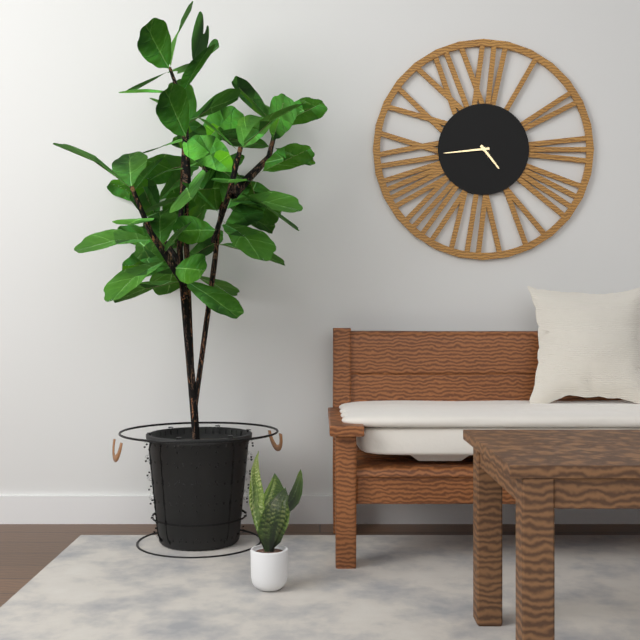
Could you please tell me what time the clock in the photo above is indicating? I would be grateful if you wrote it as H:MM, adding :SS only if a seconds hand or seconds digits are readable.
4:44
